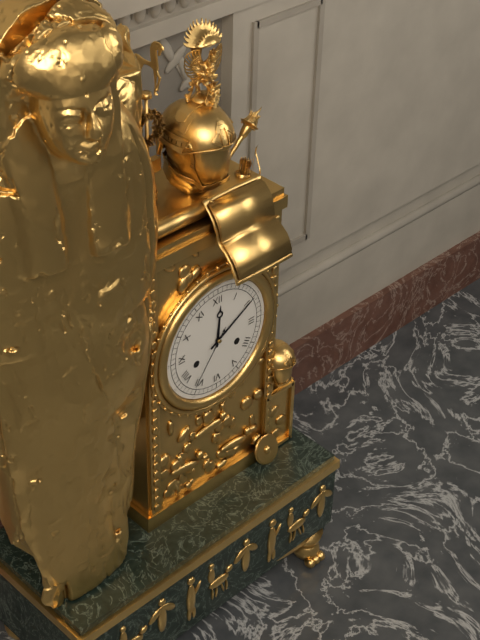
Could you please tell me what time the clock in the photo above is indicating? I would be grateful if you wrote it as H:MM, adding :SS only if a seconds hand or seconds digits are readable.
12:10:36
